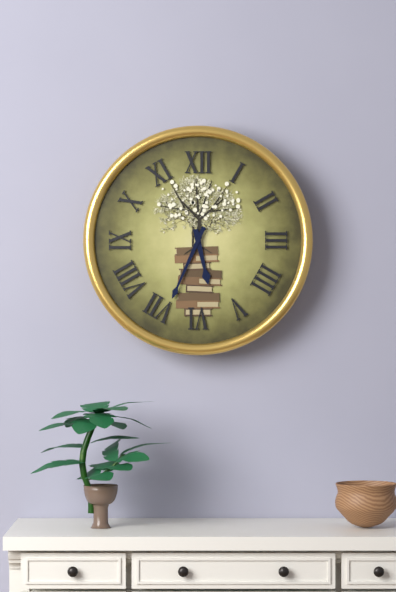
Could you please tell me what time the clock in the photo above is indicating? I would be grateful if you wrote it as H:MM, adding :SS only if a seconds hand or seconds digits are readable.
5:34
